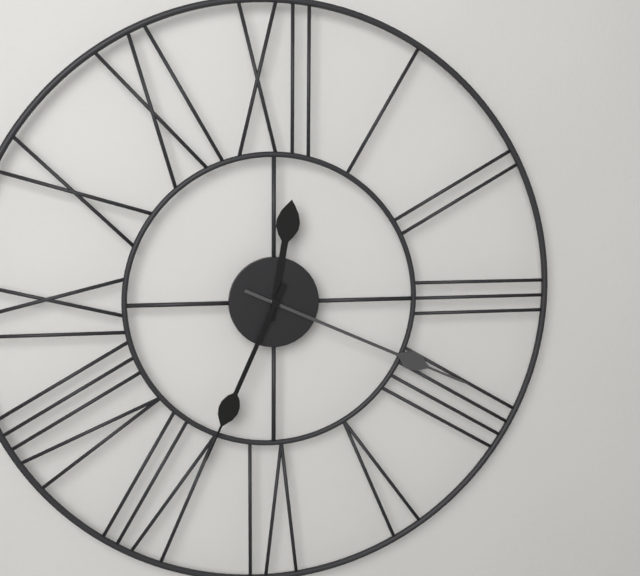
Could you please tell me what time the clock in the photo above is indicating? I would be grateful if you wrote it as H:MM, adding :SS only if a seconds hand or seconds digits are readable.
12:19:34
